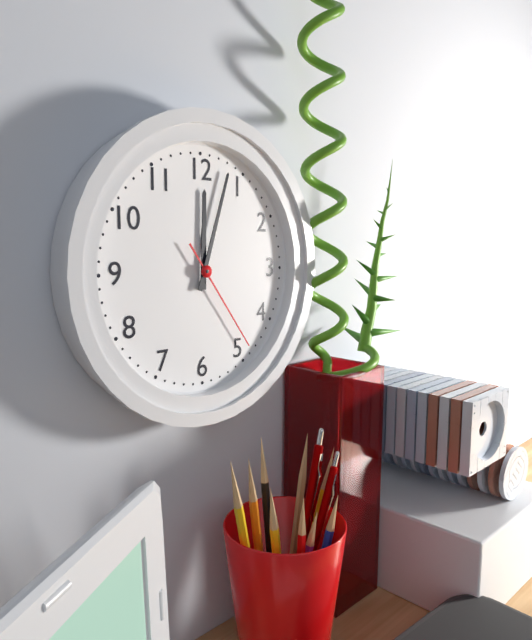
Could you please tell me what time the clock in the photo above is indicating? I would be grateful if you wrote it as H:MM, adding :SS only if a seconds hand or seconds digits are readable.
12:03:24
